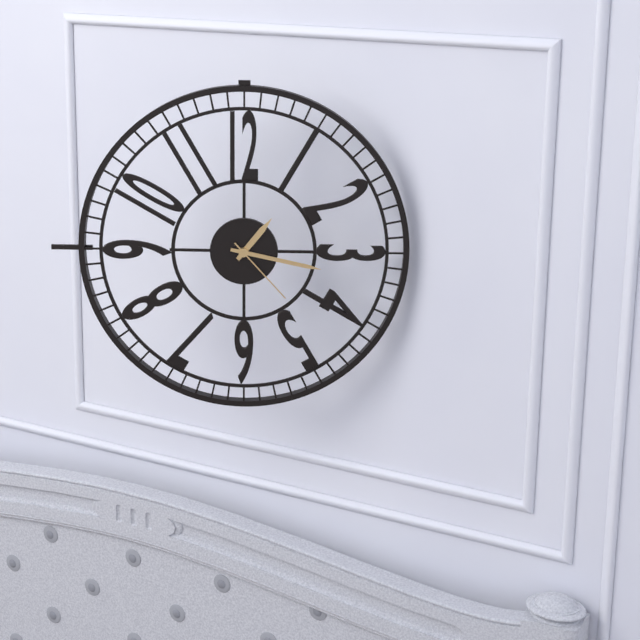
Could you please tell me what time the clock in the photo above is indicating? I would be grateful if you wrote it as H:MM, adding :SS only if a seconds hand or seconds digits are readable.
1:17:23
